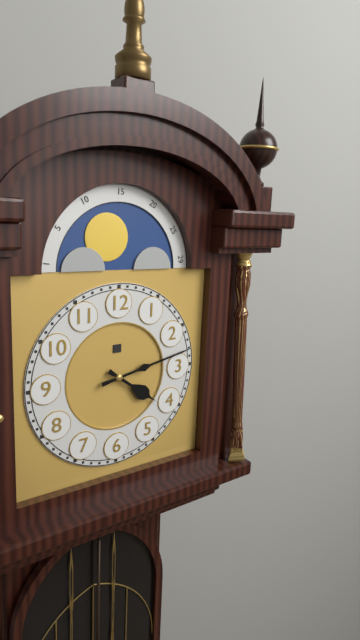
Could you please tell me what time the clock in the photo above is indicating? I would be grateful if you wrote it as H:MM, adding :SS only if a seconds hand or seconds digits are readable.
4:13
